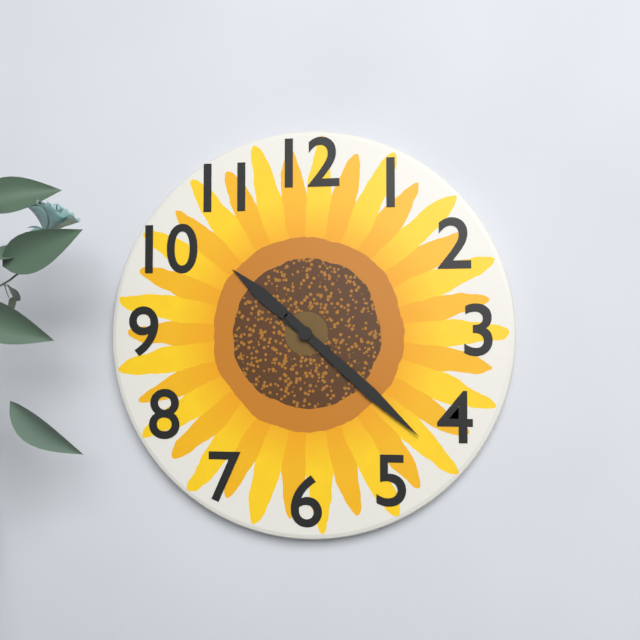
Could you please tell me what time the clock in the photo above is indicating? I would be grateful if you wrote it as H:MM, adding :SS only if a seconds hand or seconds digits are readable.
10:22
